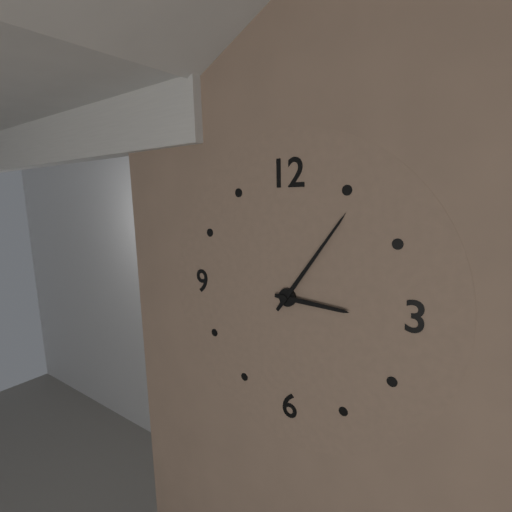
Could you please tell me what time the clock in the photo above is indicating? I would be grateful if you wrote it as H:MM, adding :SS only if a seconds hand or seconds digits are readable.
3:06
